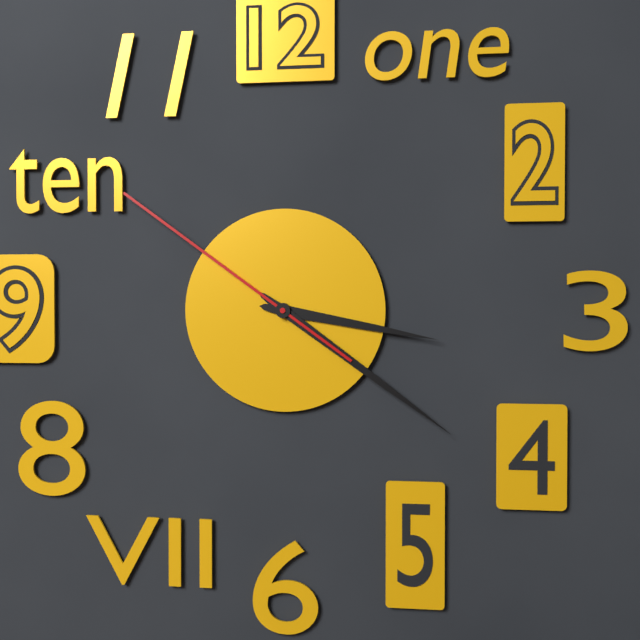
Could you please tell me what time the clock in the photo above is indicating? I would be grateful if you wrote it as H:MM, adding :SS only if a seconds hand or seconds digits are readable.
3:21:51
